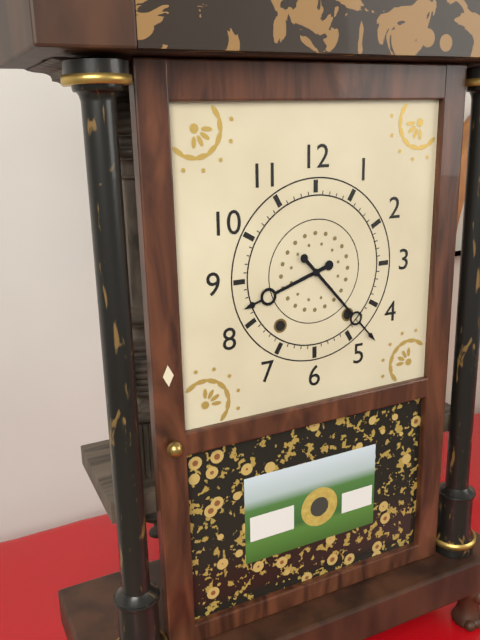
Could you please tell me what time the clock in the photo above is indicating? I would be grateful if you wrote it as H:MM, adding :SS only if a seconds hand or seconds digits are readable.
8:23
